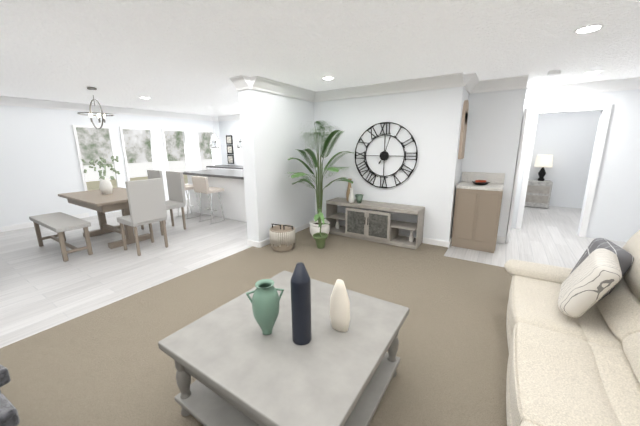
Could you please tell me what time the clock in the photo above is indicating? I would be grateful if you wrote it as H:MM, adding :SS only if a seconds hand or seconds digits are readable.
7:03
